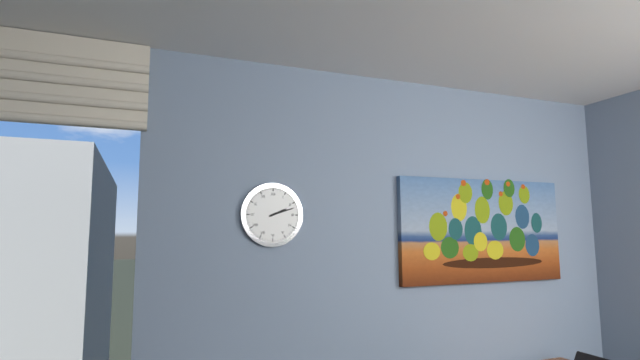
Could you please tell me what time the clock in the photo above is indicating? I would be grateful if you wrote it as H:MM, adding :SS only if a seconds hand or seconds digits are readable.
2:12
